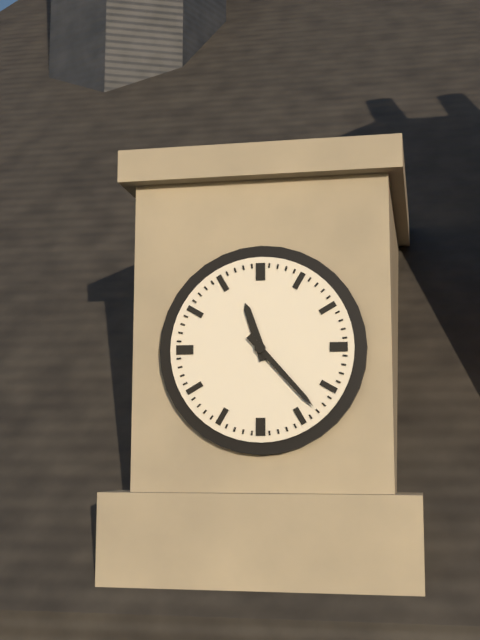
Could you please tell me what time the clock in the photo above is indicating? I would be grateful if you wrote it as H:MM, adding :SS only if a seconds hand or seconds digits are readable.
11:23
